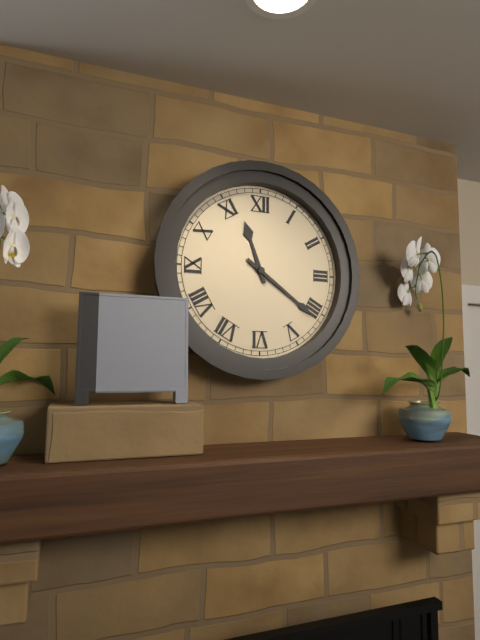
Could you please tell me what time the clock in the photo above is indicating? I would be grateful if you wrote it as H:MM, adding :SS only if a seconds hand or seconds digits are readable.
11:21
